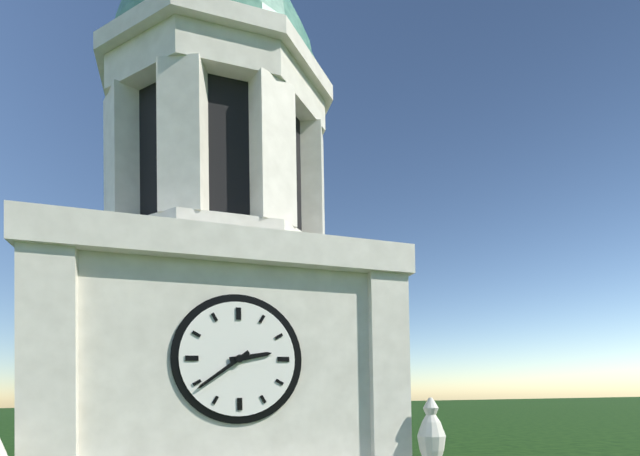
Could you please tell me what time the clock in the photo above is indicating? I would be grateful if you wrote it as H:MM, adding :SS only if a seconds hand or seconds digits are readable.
2:39
